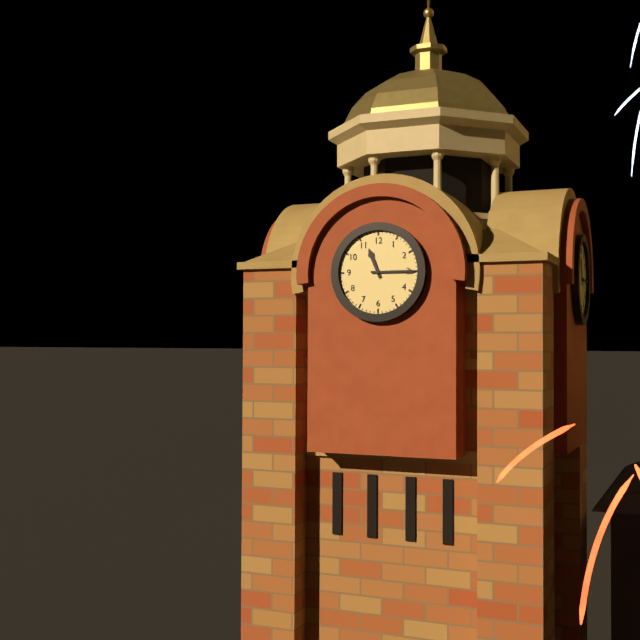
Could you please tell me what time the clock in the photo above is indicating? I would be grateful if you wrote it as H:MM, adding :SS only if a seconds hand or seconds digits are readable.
11:15
